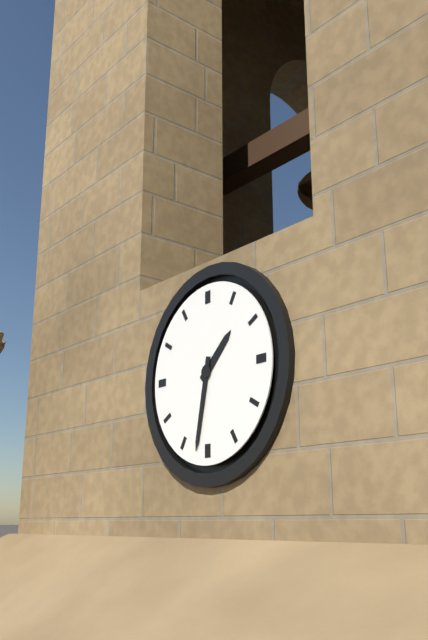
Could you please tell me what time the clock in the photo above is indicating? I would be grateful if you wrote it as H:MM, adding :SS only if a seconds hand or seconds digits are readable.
1:32
